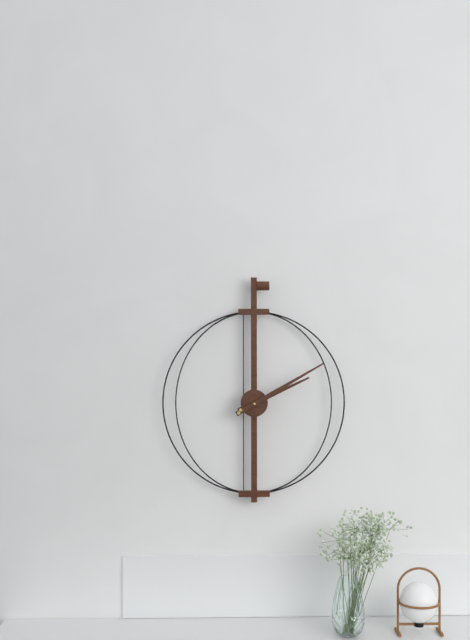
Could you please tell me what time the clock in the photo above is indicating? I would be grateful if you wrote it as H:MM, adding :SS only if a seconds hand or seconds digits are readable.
2:10
